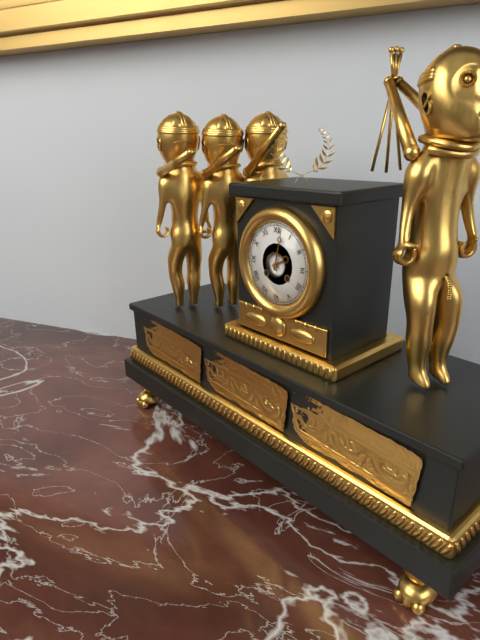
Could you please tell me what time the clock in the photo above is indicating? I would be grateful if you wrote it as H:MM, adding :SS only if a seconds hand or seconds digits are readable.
2:02
